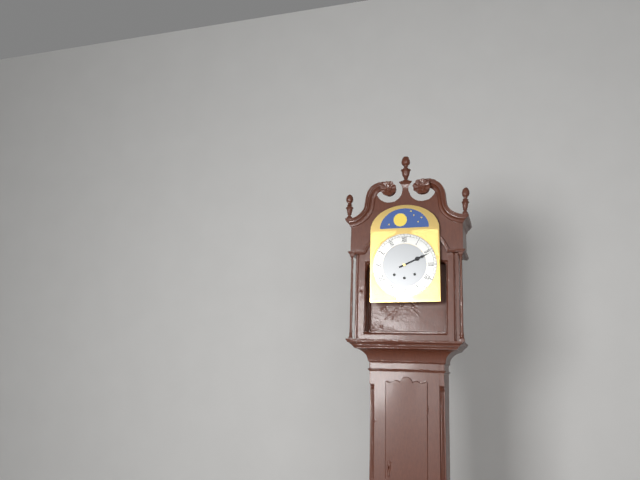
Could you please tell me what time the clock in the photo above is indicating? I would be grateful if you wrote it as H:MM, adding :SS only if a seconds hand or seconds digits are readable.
2:11
